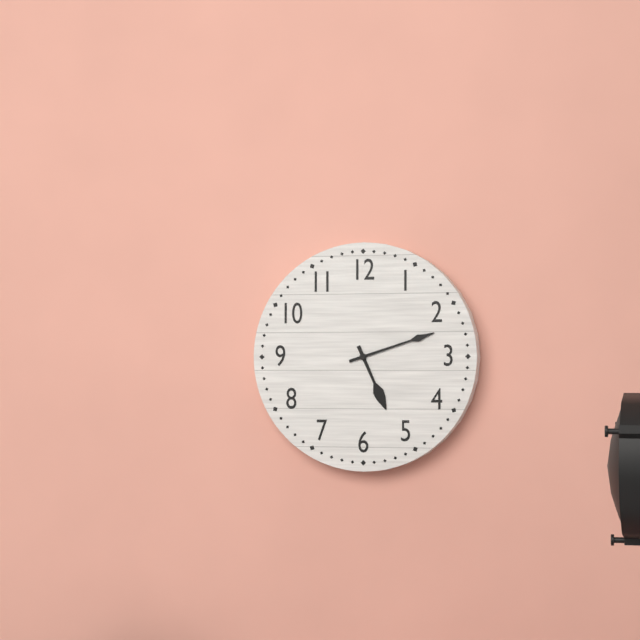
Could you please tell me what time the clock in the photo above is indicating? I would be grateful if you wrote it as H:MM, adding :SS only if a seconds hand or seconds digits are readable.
5:12
